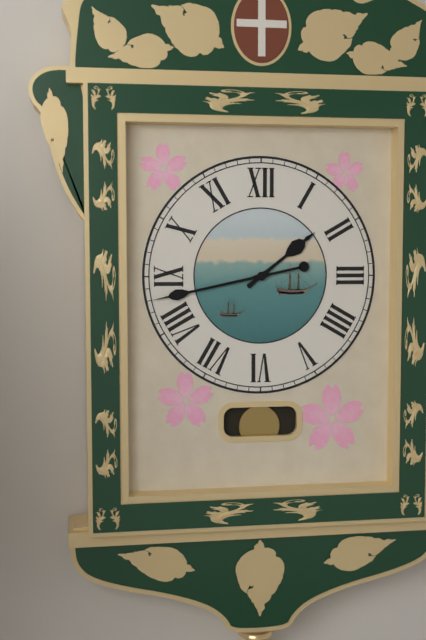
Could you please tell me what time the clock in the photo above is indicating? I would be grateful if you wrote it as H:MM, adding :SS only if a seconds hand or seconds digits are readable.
1:43
